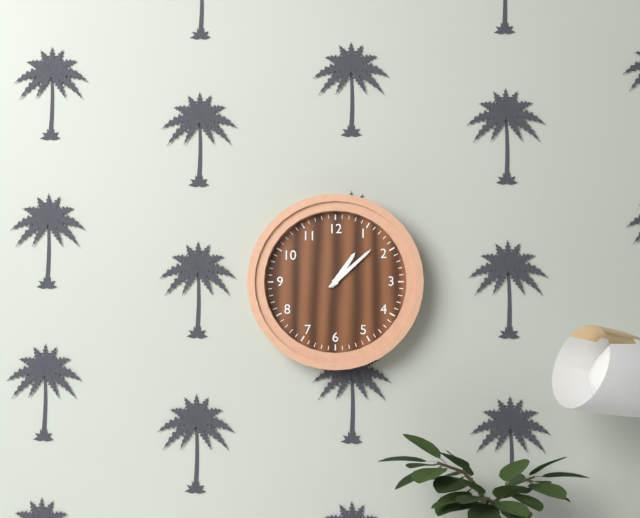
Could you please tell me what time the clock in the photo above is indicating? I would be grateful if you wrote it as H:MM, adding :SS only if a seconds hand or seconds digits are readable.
1:08
